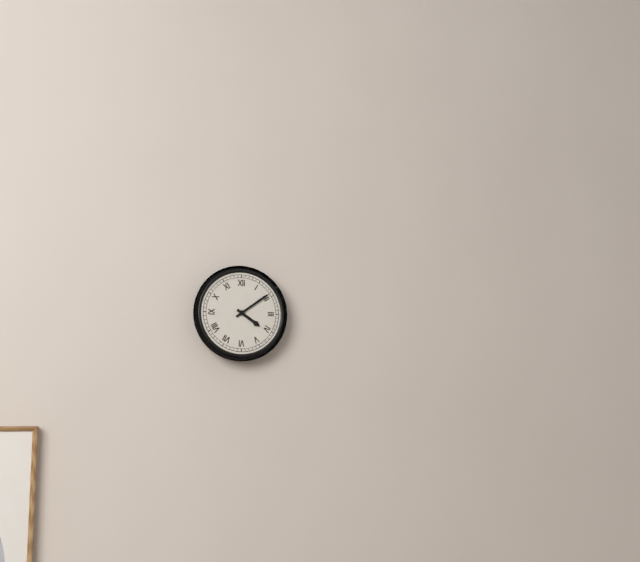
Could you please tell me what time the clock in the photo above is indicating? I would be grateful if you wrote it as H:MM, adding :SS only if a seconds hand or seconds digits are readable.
4:09
